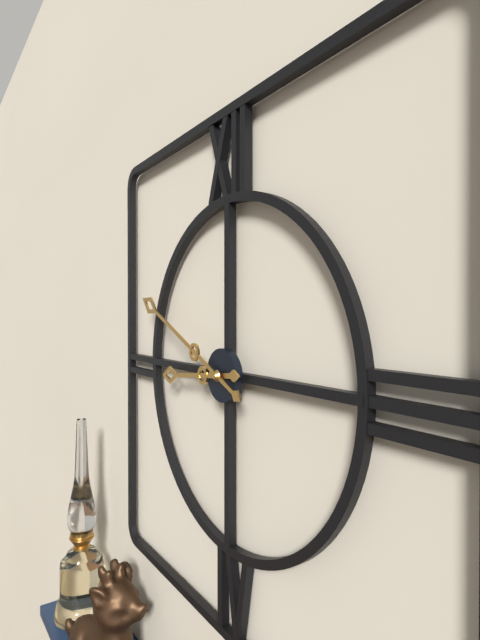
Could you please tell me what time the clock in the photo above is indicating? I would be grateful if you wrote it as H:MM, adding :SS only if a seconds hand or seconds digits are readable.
8:49
